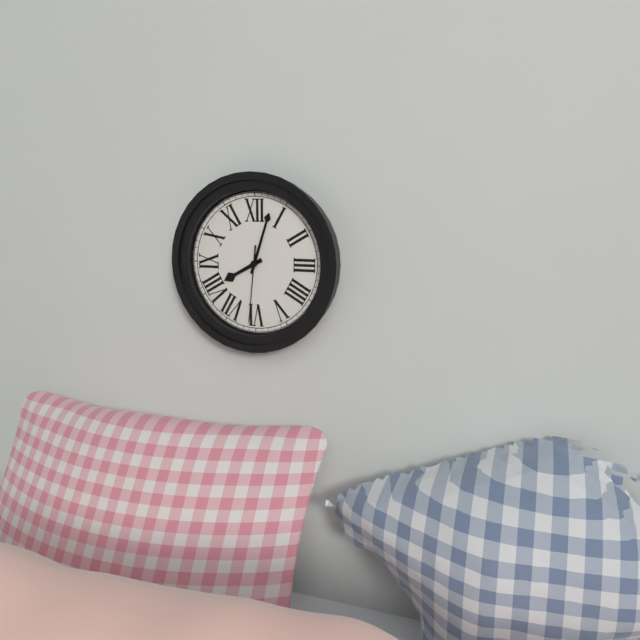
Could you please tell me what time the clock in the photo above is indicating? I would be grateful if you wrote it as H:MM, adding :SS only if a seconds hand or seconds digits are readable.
8:03:31
